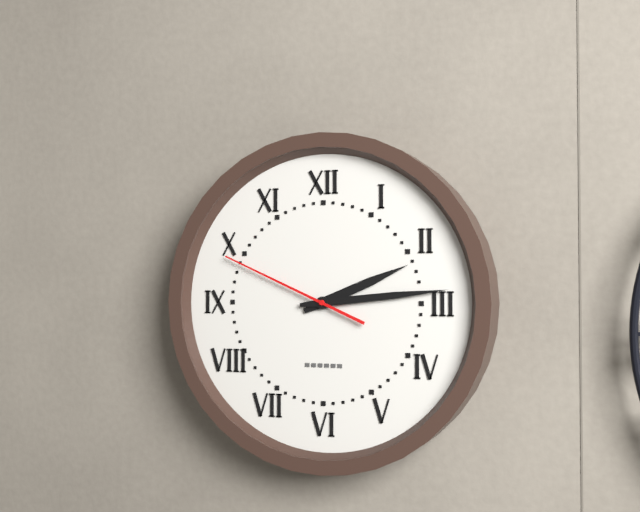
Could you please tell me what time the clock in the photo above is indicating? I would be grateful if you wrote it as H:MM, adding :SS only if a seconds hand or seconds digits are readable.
2:14:49
